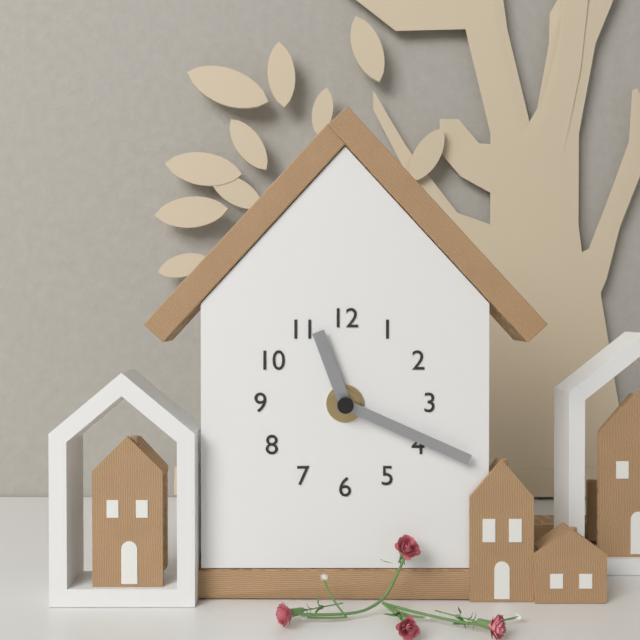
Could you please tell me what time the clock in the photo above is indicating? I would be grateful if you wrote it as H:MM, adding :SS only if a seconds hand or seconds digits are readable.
11:19
